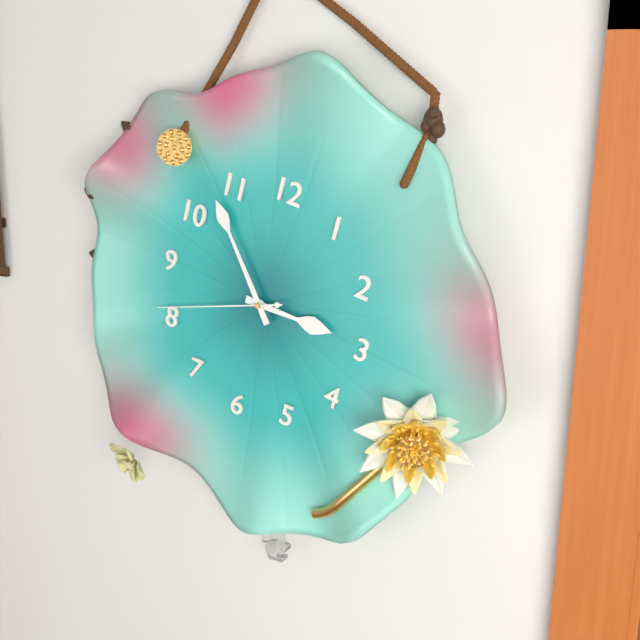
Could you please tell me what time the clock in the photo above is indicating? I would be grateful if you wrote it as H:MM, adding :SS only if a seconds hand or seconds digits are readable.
2:53:41
